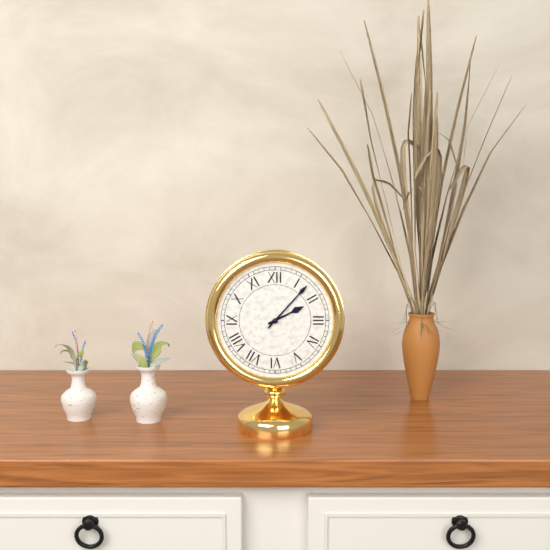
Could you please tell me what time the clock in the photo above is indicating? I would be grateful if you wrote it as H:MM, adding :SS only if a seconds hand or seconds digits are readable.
2:07
